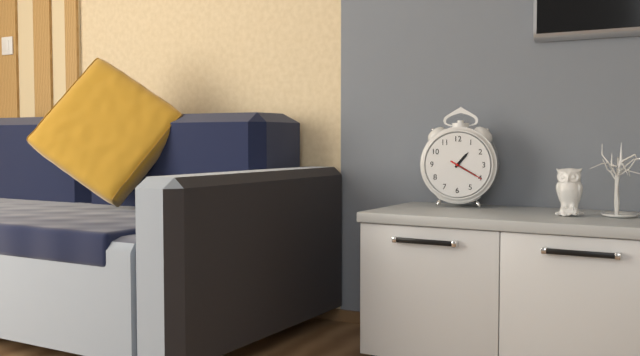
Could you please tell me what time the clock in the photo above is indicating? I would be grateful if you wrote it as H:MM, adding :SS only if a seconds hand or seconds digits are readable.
1:20
